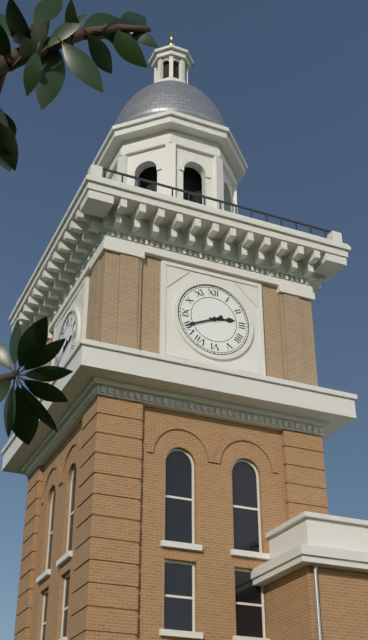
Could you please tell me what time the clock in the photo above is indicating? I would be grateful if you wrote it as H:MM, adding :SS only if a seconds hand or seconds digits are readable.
2:41
